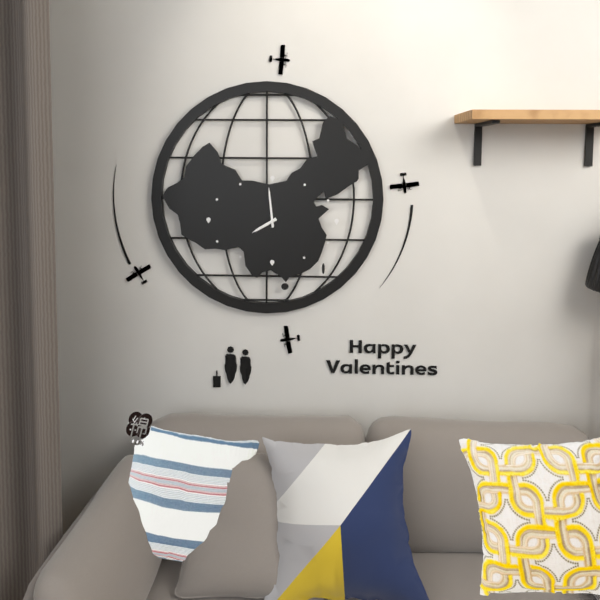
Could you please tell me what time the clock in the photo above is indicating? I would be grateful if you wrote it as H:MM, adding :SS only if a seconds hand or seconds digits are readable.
7:59
